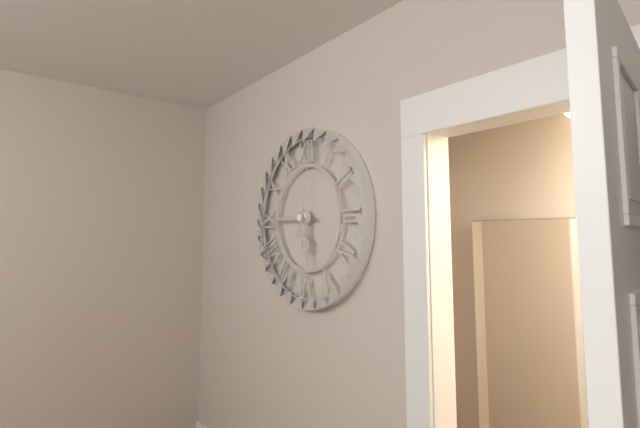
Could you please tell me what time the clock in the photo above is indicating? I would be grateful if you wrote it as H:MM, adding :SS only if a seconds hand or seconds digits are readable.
5:45:02
